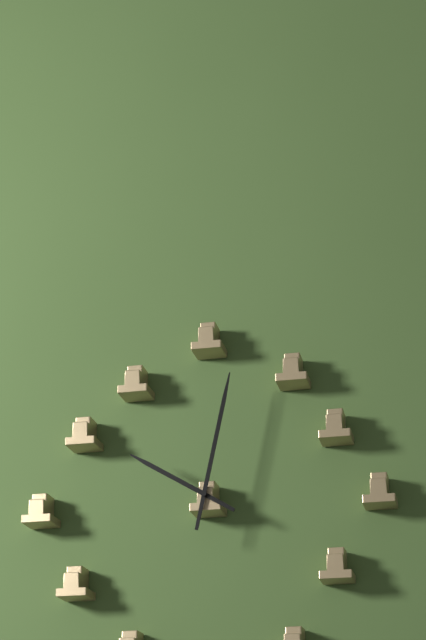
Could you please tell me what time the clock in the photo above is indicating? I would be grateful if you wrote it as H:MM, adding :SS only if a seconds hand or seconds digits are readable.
10:02
